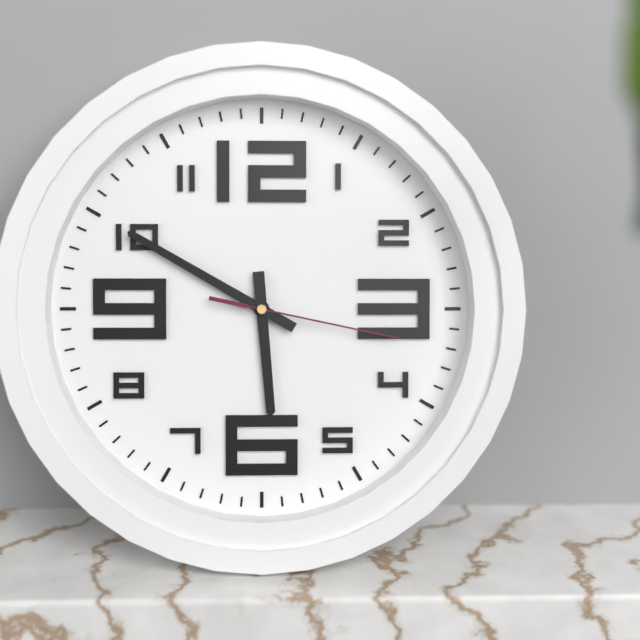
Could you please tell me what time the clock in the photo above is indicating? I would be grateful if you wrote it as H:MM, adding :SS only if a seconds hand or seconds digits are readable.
5:50:17
